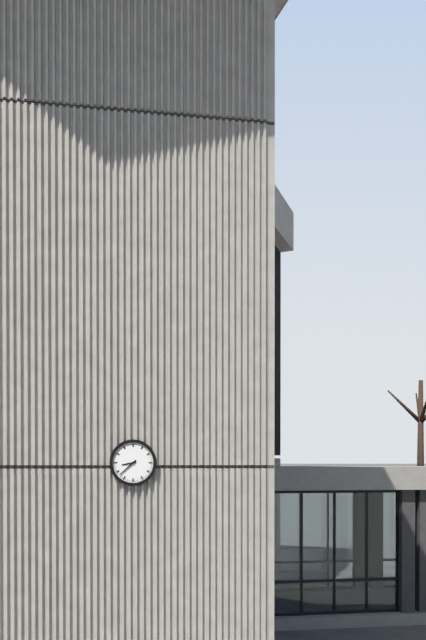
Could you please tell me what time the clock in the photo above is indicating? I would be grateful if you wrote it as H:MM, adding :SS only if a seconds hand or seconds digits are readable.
8:38
